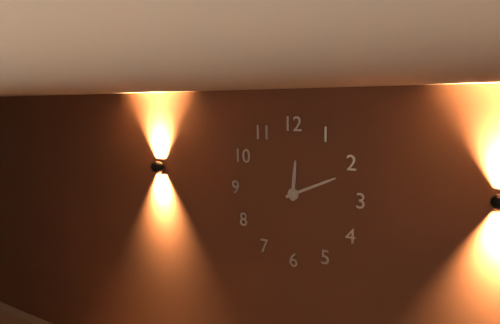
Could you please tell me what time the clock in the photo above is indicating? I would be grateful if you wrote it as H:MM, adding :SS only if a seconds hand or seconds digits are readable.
12:11
